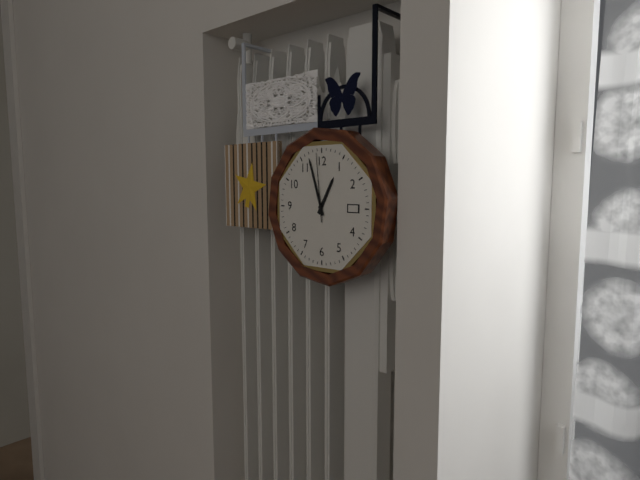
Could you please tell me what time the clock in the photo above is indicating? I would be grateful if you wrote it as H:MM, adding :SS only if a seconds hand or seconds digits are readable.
12:57:59
